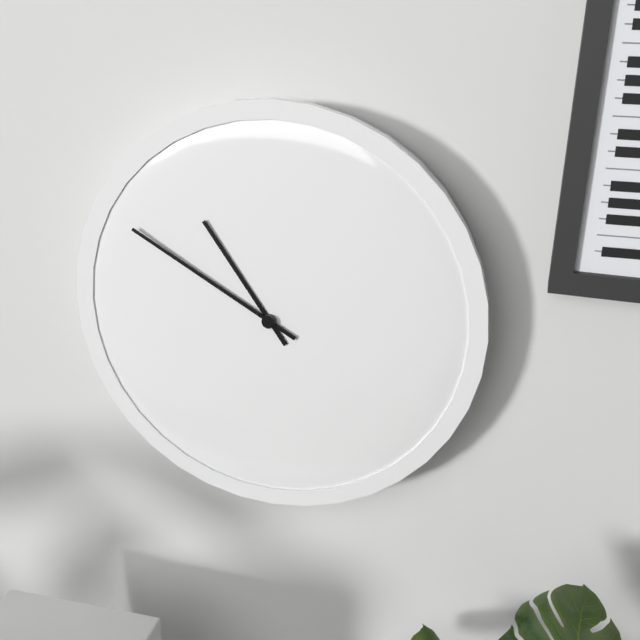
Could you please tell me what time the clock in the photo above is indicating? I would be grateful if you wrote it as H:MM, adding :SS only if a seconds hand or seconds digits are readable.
10:50
